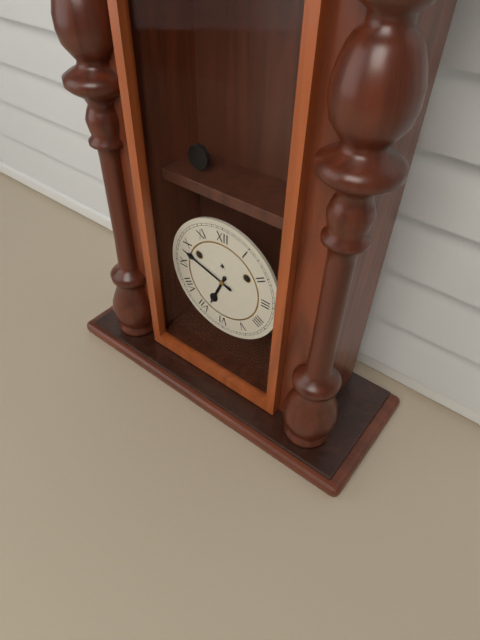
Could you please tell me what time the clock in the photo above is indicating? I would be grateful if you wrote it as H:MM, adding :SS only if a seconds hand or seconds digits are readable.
6:48
